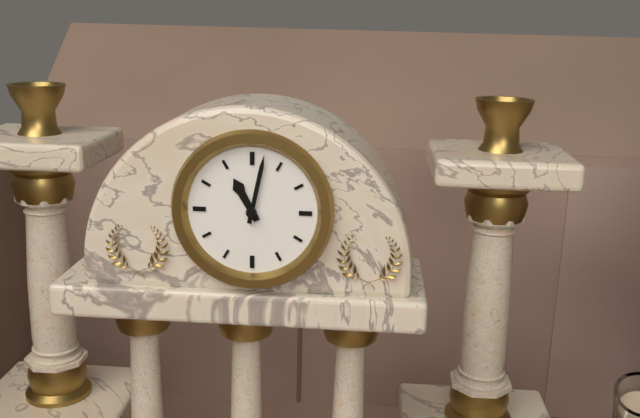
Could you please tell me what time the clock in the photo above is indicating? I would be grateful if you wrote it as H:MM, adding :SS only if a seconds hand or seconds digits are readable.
11:02
